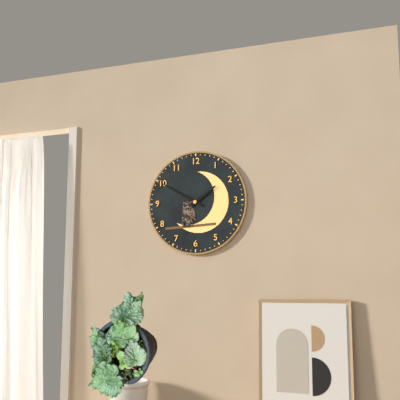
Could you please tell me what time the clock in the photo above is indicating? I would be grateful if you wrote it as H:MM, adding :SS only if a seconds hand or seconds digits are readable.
1:50
